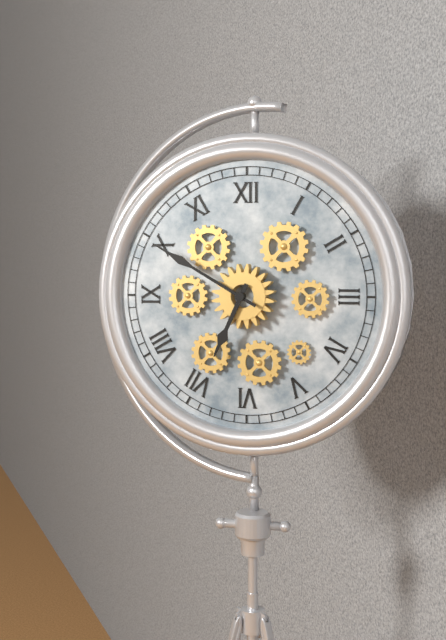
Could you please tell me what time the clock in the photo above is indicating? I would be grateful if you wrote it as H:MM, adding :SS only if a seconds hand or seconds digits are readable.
6:50
